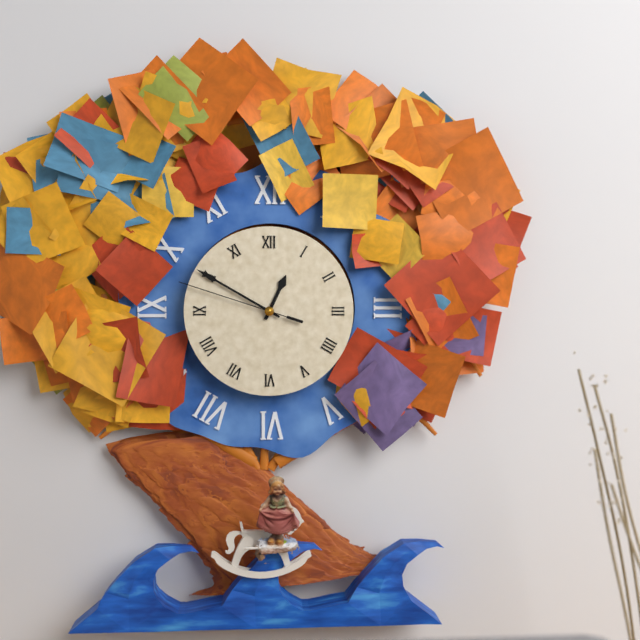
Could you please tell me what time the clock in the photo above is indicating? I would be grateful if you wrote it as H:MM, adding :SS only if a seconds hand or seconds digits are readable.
12:50:48
